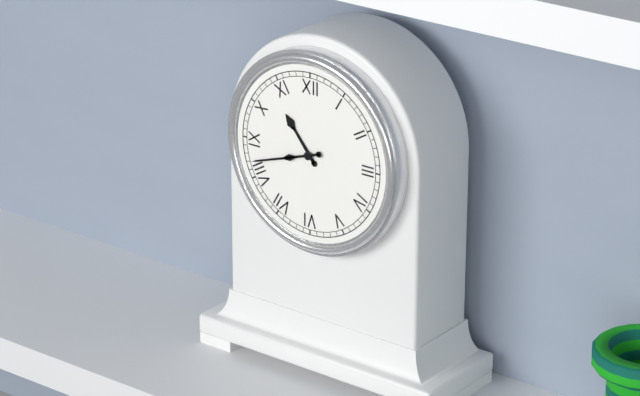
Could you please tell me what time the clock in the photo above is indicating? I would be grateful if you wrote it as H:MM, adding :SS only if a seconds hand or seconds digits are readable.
10:42
